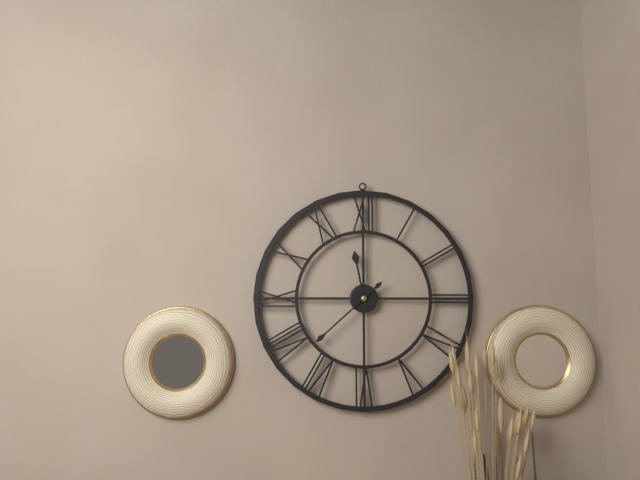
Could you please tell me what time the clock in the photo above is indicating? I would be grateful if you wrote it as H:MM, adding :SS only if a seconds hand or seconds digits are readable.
11:38
